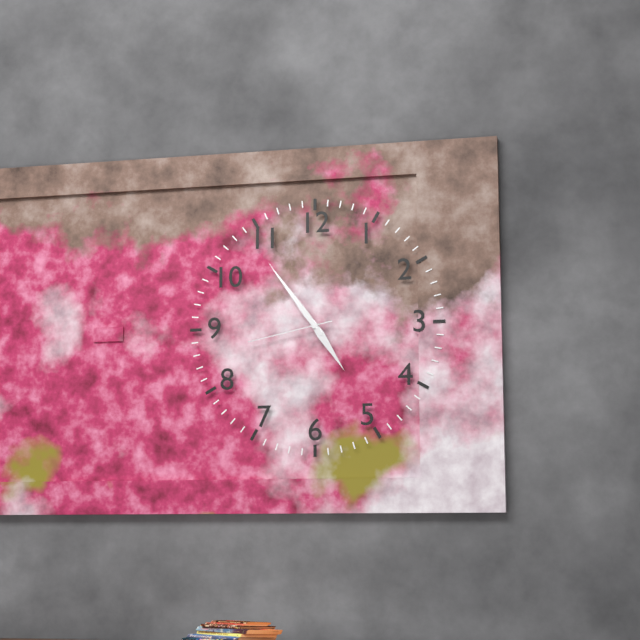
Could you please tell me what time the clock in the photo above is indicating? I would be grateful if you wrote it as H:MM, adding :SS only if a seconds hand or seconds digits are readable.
4:54:43
